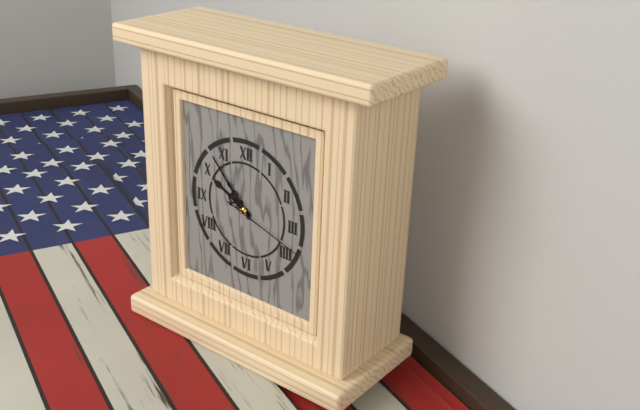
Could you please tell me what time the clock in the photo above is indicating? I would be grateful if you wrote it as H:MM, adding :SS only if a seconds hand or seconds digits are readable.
9:53:18
